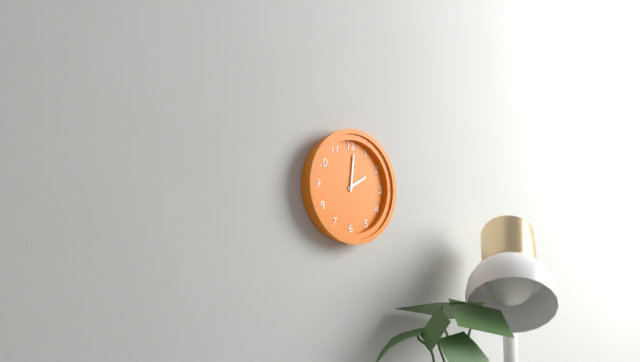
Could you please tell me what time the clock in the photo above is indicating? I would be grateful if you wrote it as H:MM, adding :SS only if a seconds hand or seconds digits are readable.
2:01
